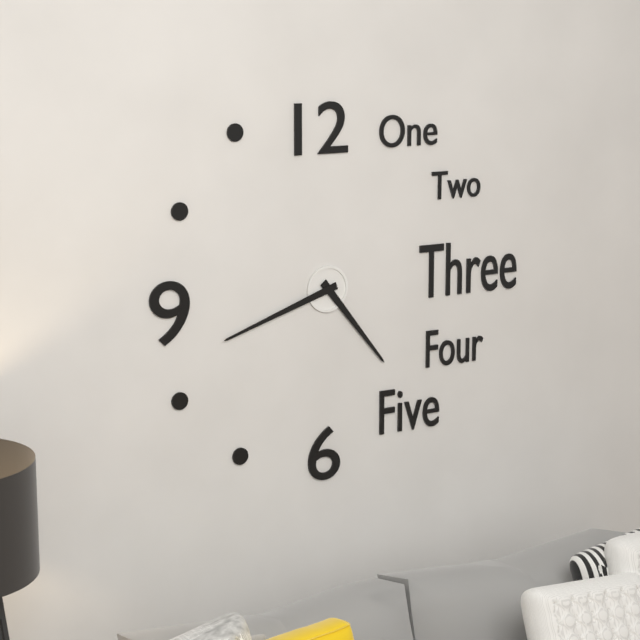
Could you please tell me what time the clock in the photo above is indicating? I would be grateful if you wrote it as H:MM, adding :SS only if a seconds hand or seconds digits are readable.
4:42
